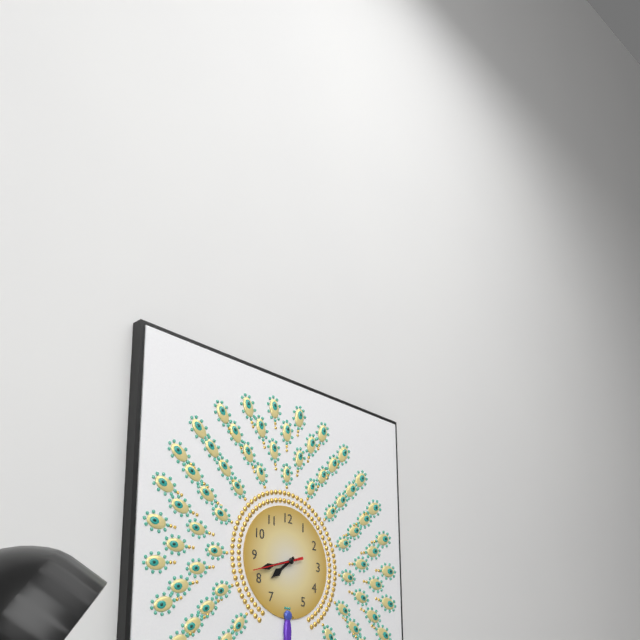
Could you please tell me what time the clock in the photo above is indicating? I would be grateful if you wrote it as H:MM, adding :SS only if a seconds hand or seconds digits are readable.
7:42
